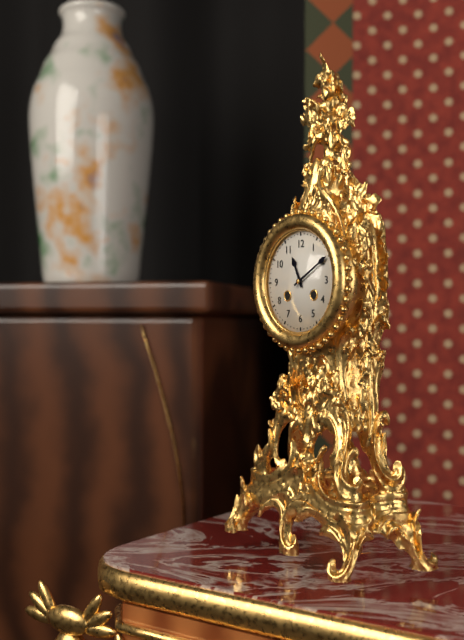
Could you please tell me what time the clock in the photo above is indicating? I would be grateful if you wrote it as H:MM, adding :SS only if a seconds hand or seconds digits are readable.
11:10
